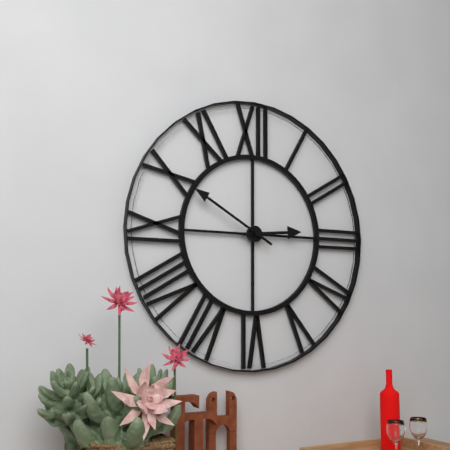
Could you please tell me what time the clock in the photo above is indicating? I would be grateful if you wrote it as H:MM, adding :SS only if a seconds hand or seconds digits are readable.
2:50
